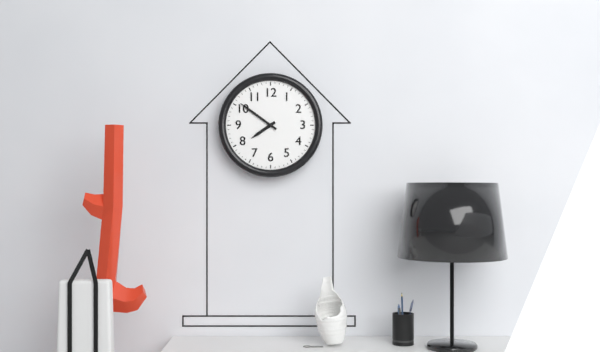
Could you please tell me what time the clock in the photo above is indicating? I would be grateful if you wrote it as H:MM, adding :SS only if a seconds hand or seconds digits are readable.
7:51
